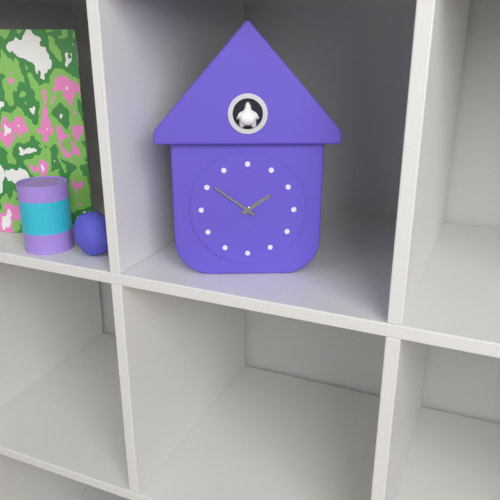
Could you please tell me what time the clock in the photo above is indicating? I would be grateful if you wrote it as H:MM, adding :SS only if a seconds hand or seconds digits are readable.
1:51
